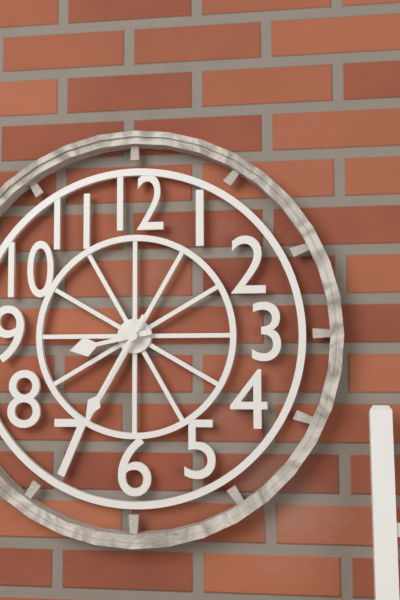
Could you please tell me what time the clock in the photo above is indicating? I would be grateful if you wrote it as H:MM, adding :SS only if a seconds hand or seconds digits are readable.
8:35
